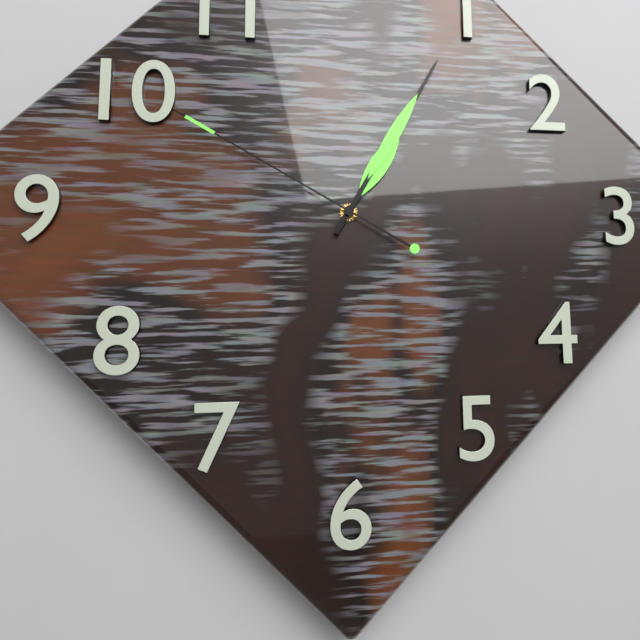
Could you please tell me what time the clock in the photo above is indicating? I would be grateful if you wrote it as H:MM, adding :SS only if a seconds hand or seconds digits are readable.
1:05:50
